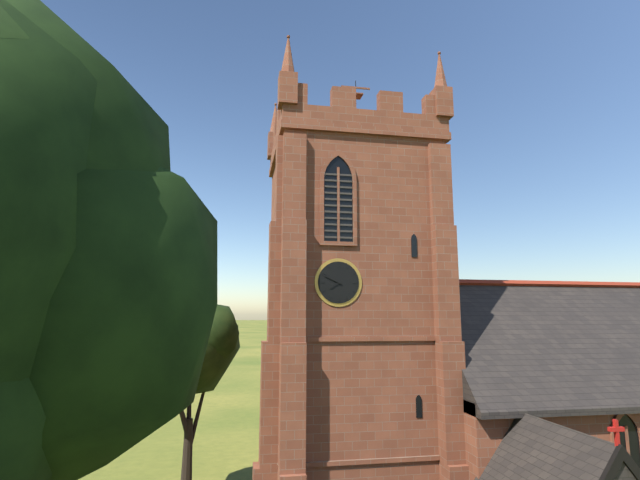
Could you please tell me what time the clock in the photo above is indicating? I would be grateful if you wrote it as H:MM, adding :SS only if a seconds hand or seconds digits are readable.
7:49
